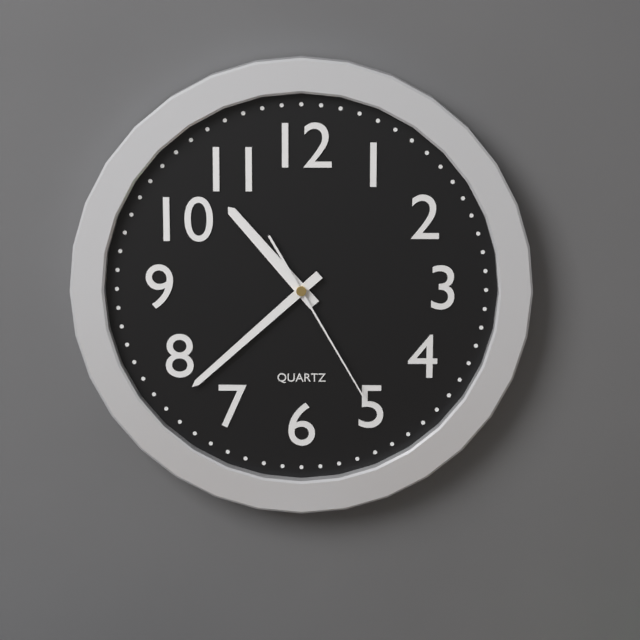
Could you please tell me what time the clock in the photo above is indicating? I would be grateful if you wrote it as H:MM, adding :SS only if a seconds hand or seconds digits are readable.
10:38:25
